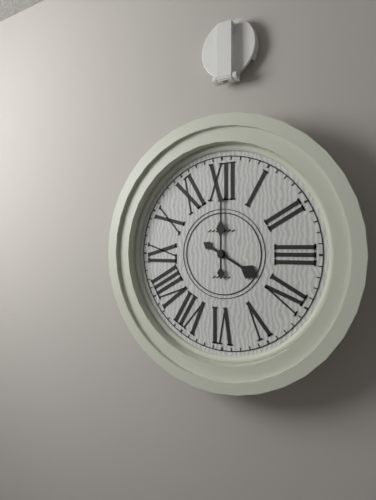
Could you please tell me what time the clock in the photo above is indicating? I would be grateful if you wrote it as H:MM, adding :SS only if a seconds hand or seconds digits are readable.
4:00
